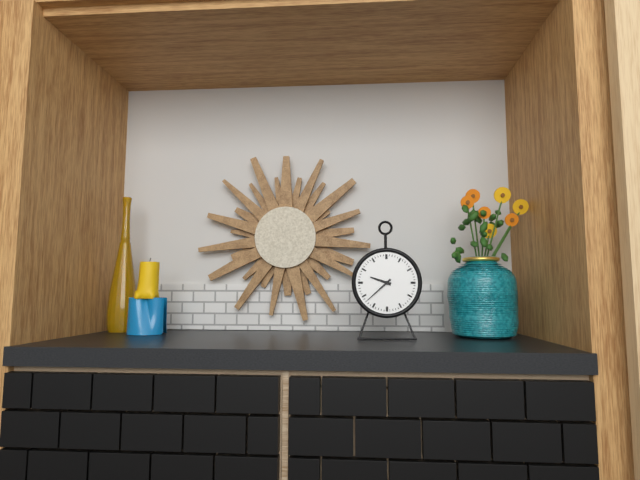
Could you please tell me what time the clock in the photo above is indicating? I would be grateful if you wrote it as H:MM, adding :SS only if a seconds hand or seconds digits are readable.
9:38
